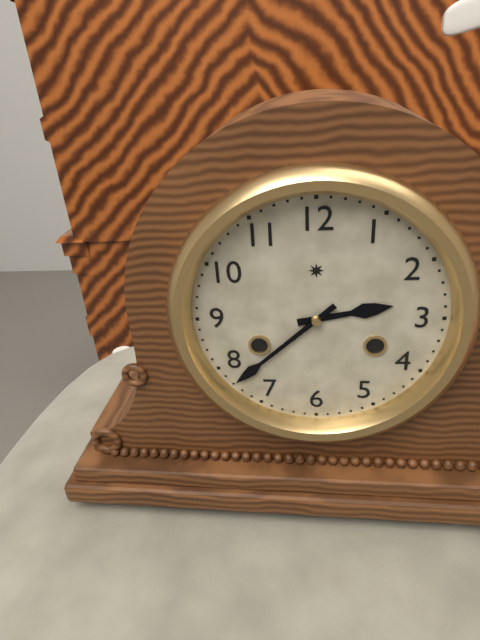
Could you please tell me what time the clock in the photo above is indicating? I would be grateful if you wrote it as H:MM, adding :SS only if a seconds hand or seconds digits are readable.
2:38
